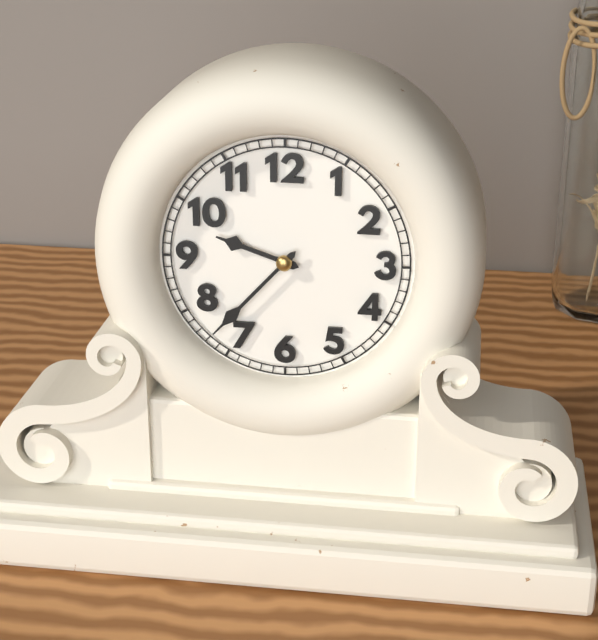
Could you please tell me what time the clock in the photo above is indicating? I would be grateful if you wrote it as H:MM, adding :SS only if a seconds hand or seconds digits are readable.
9:37
